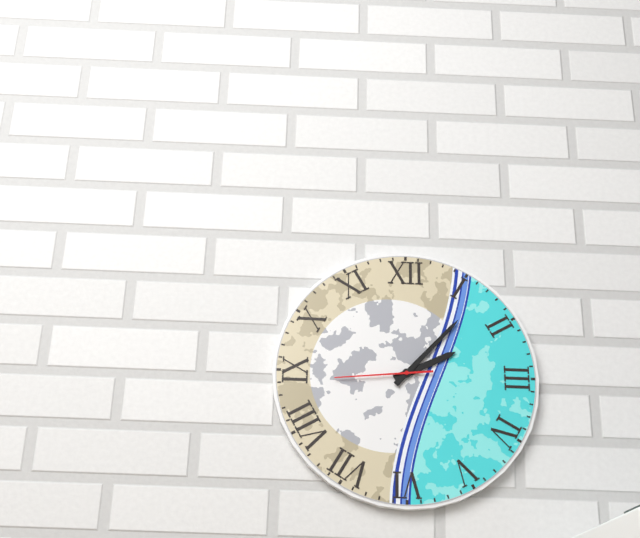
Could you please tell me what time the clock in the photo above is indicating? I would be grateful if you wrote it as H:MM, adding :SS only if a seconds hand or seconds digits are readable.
2:07:44
